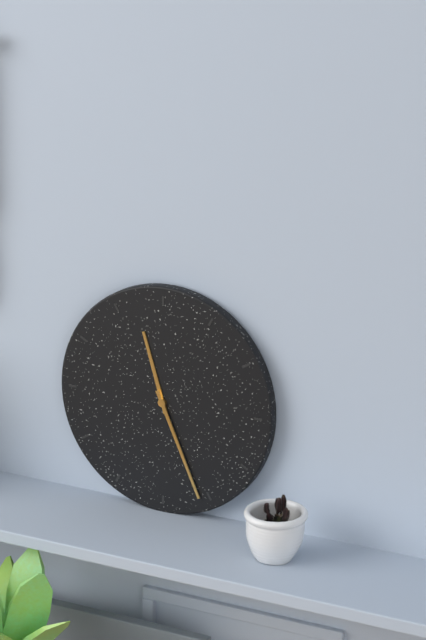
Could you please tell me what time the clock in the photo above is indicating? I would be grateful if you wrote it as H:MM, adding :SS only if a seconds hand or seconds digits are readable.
11:26
